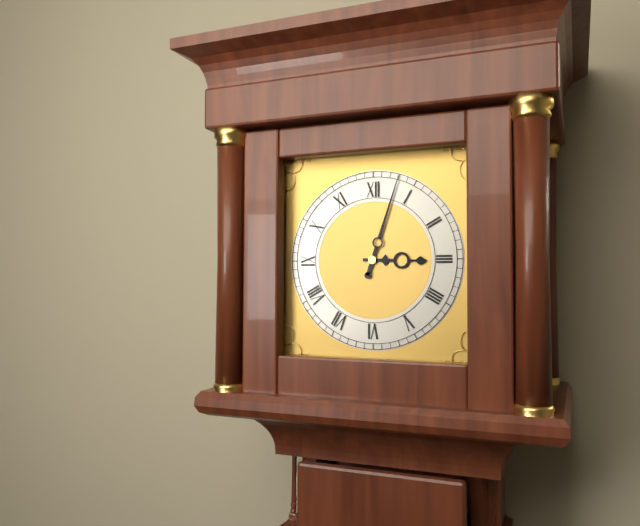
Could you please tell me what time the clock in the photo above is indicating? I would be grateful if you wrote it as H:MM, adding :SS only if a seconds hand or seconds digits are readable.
3:03
